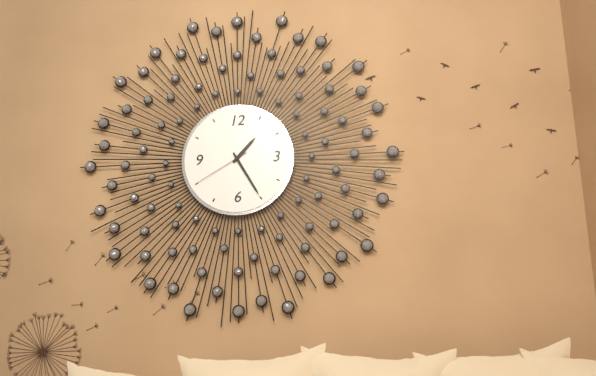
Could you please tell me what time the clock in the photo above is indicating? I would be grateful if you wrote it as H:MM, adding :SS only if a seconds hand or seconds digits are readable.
1:25:40
